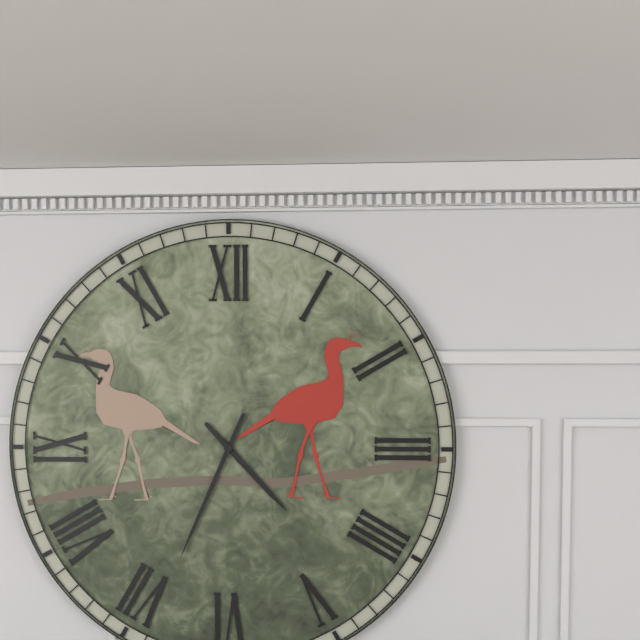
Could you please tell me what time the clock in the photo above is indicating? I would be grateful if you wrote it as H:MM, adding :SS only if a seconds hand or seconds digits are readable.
4:34
